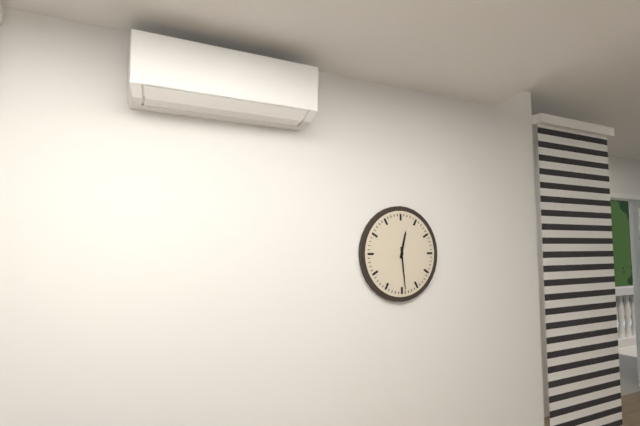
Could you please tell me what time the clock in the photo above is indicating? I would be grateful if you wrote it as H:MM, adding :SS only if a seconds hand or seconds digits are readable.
12:29
